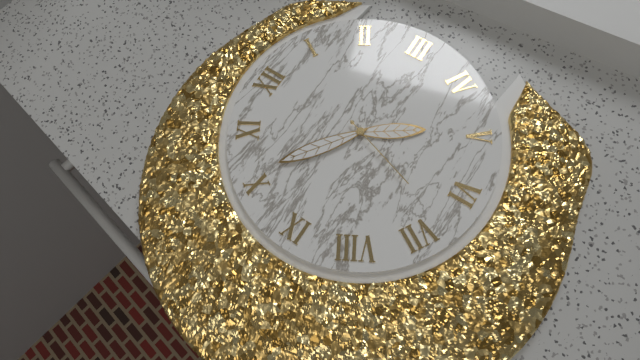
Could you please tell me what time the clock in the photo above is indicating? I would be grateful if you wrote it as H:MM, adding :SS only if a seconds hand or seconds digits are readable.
4:51:33
